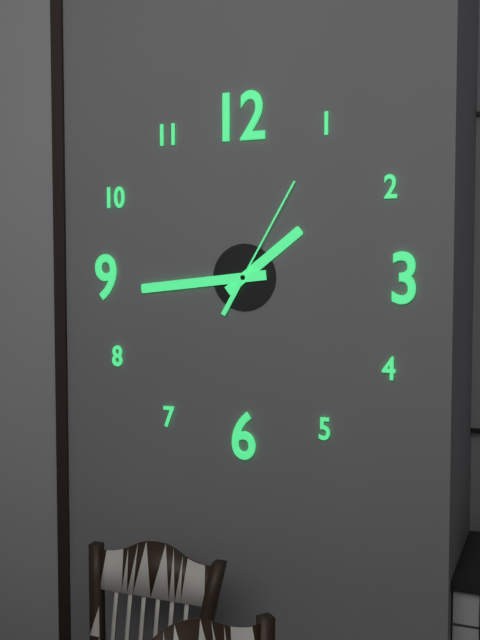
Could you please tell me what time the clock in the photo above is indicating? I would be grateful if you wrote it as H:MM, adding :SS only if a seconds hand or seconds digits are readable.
1:44:05
